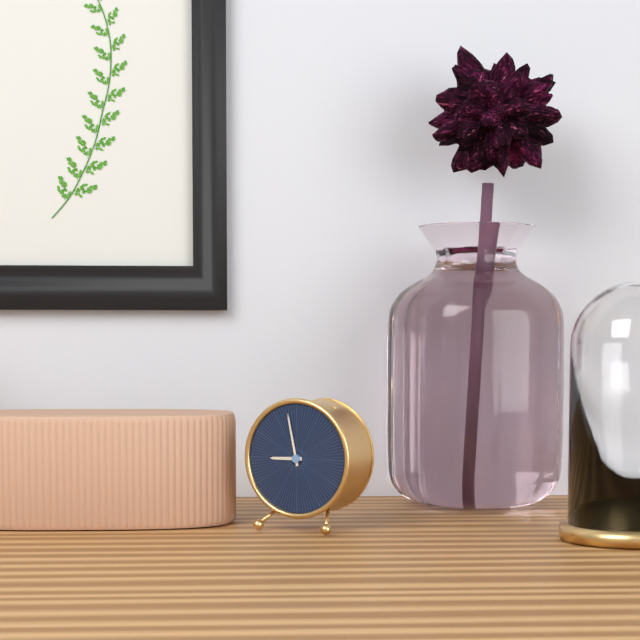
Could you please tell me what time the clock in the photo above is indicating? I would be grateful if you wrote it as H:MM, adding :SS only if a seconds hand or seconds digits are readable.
8:58
